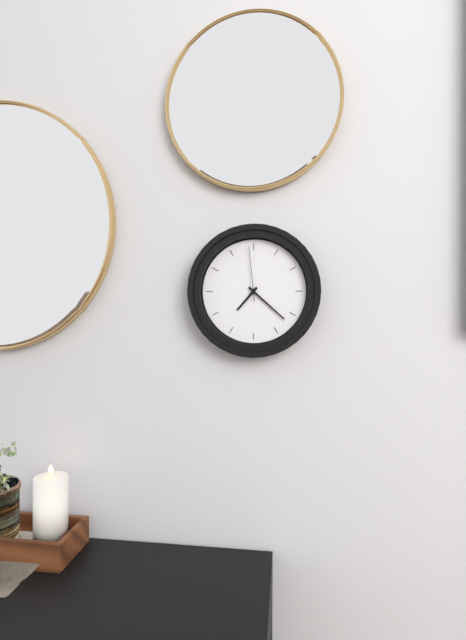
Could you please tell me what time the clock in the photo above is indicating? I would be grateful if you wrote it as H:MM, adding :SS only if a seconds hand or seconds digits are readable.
7:22:59
